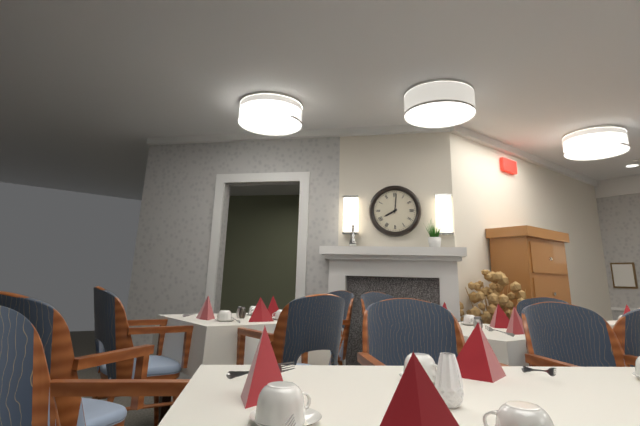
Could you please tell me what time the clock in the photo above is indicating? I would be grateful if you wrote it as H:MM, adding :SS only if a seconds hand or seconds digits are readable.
8:01
